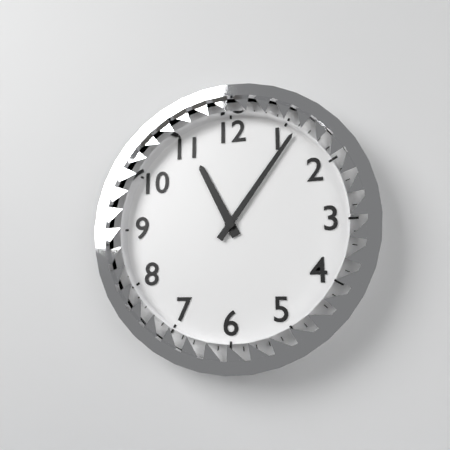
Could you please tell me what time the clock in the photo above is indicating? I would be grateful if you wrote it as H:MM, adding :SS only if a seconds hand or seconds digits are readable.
11:06
